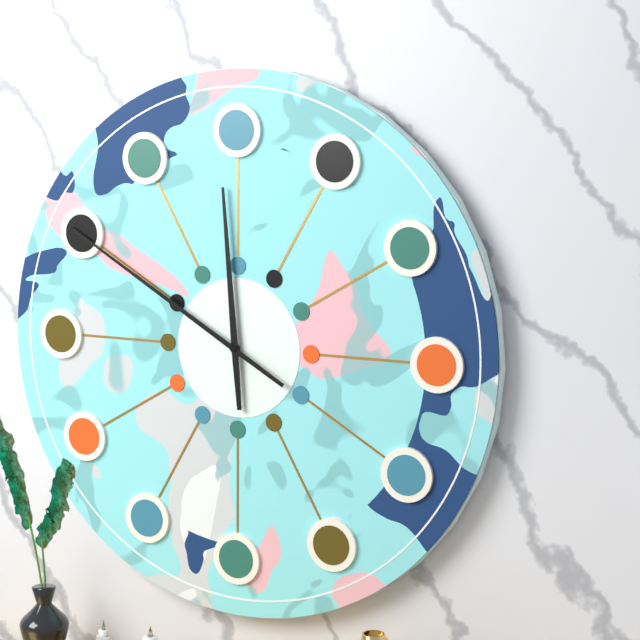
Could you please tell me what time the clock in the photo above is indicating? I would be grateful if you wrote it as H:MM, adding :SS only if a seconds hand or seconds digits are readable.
11:50
